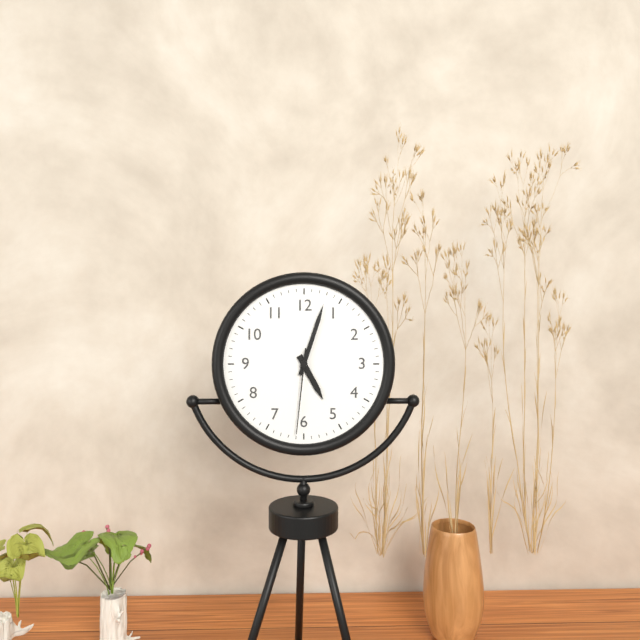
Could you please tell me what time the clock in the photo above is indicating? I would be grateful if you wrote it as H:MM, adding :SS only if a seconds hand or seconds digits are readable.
5:03:31
